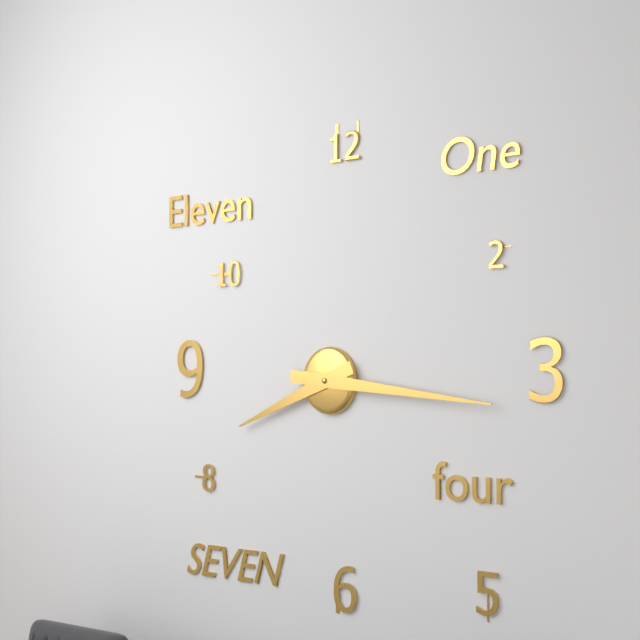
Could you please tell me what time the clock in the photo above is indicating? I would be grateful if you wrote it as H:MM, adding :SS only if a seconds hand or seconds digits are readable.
8:16
